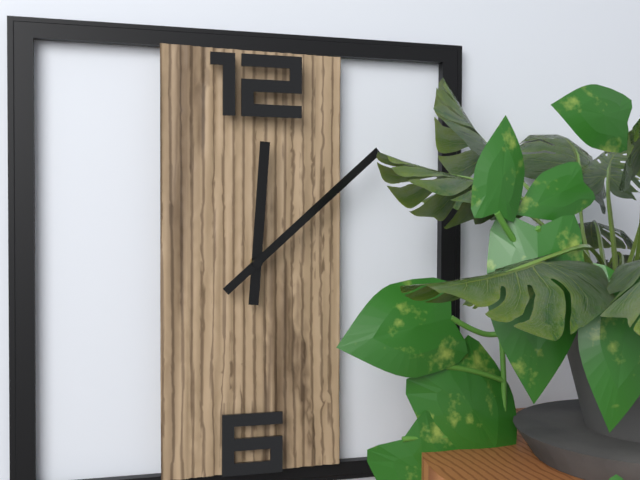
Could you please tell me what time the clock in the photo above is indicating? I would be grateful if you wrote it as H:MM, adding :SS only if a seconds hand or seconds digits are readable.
12:08
